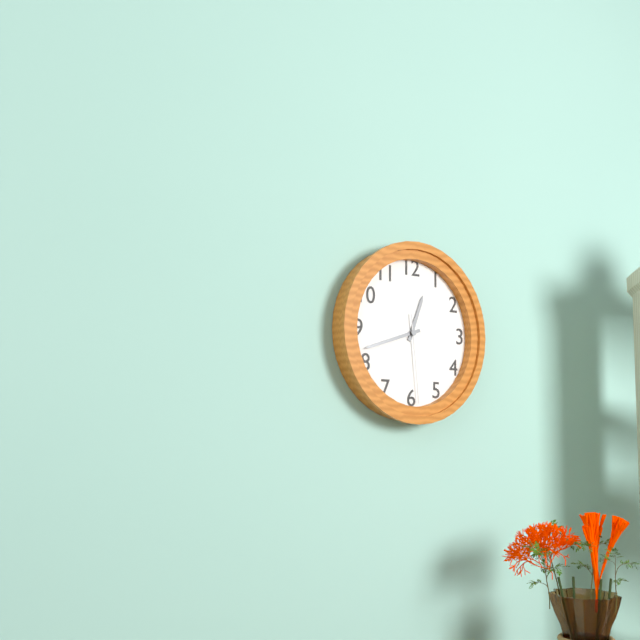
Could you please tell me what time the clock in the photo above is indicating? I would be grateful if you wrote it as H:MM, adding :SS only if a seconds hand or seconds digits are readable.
12:42:29
